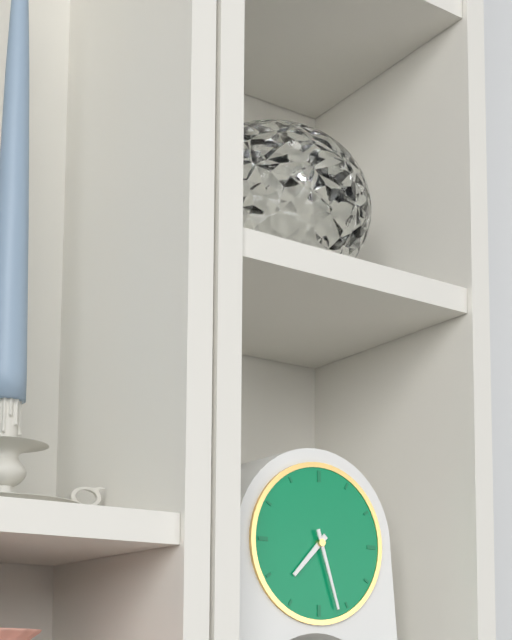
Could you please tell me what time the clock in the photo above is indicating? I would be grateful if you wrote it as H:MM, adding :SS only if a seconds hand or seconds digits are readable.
7:27
